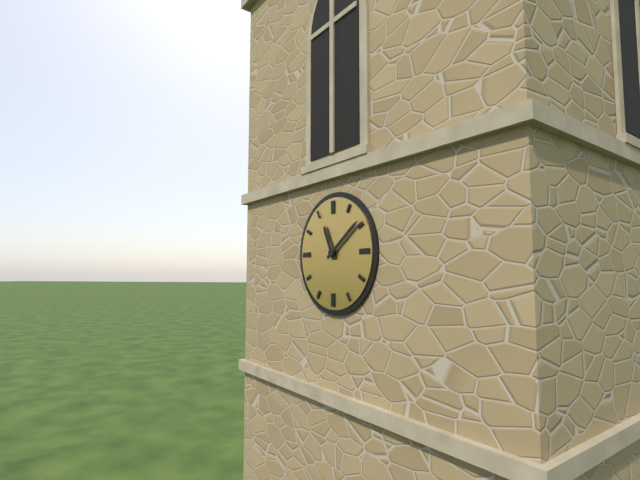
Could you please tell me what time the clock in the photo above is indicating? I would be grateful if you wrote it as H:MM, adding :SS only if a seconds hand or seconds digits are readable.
11:09
